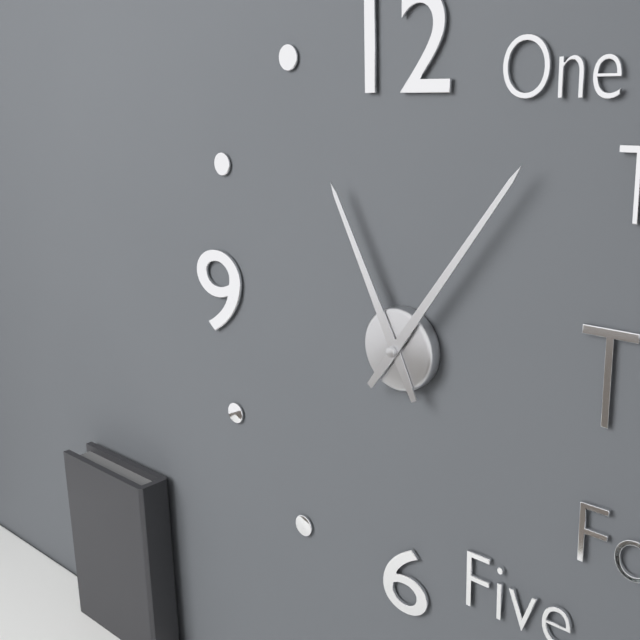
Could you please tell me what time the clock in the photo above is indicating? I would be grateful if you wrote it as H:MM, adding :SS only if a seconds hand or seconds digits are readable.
11:06
